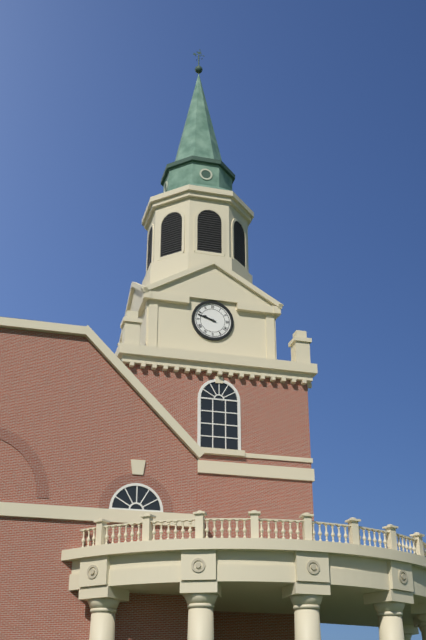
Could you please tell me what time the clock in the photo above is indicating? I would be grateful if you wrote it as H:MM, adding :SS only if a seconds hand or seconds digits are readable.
9:48
